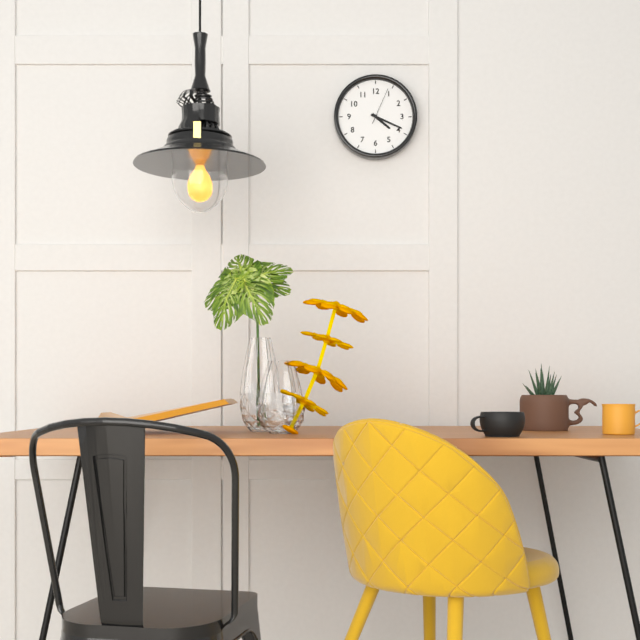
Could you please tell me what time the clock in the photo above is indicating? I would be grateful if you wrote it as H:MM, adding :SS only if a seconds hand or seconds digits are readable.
4:19
